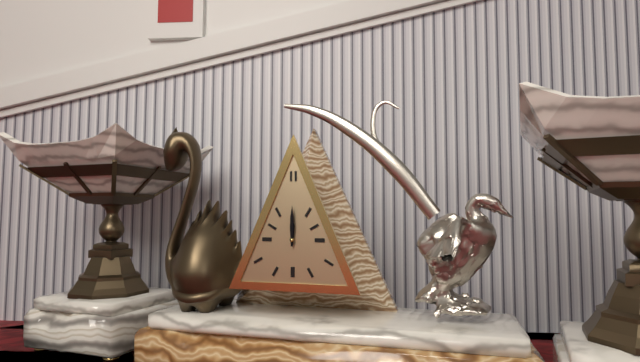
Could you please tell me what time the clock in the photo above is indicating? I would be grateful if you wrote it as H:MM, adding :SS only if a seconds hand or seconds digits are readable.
12:00
